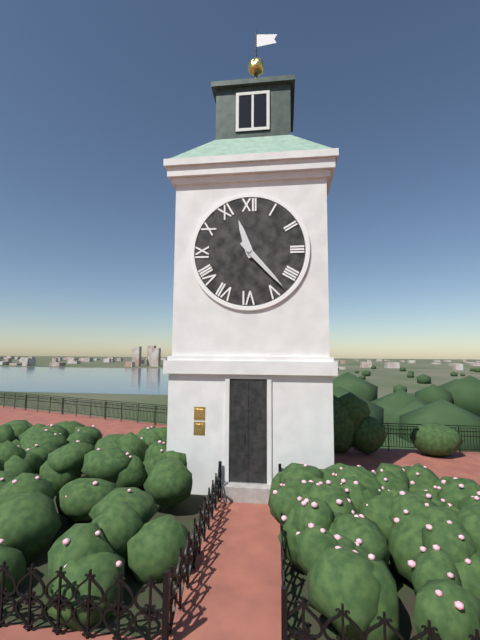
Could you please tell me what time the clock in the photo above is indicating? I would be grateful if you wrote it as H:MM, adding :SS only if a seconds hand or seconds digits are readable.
11:23
